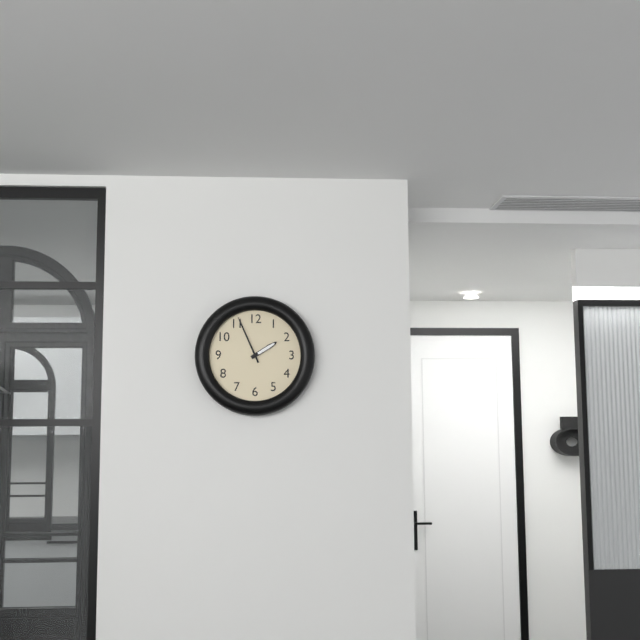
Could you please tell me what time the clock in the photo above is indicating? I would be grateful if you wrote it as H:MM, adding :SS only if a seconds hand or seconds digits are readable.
1:56
